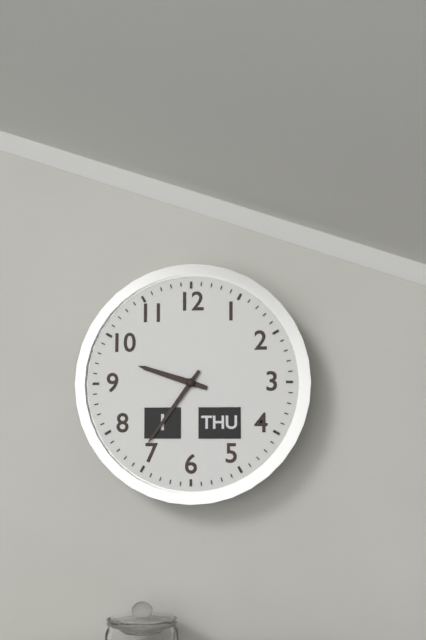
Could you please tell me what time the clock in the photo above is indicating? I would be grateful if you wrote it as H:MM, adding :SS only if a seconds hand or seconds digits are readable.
9:36
